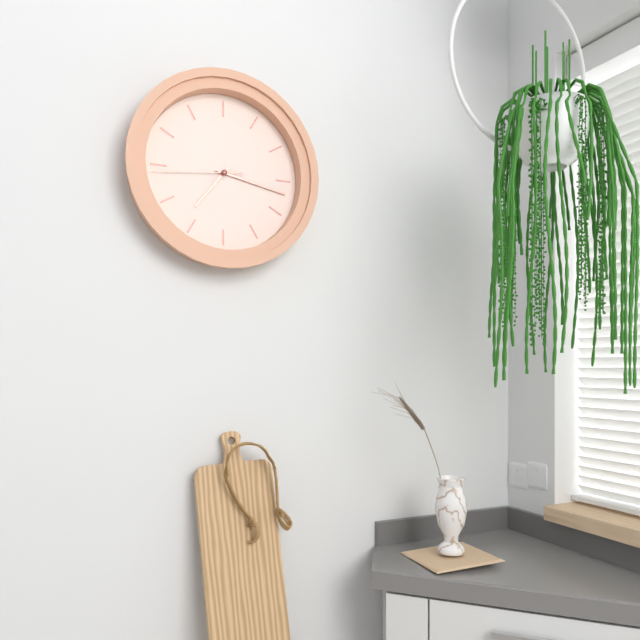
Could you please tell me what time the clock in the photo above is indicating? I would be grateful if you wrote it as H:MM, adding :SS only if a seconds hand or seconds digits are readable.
7:17:44
